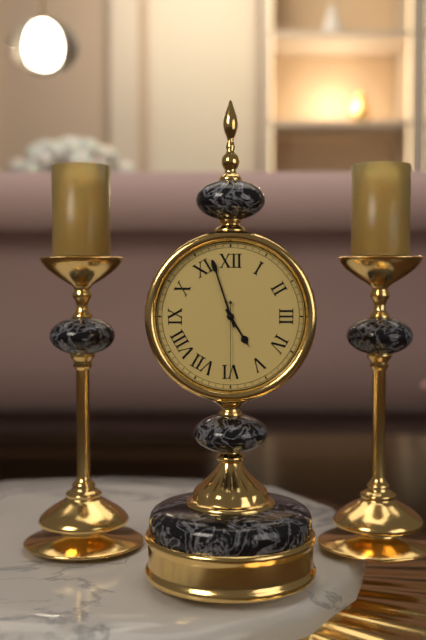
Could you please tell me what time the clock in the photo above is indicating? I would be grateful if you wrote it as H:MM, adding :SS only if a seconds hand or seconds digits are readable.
4:57:30
